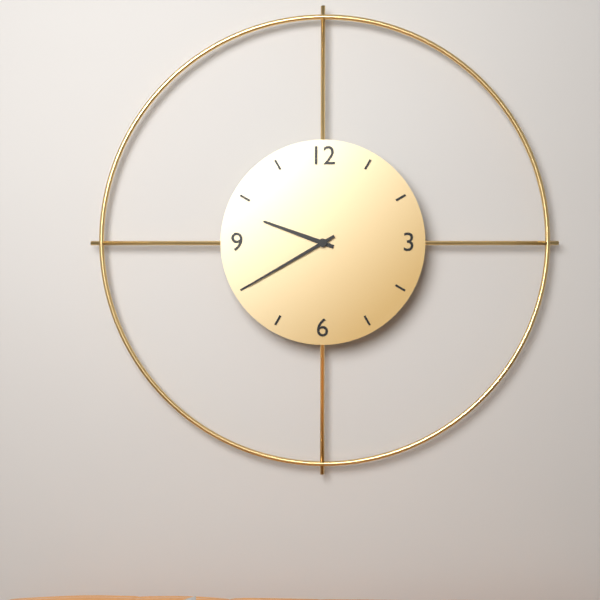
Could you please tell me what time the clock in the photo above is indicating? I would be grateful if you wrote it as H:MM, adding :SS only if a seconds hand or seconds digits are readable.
9:40
